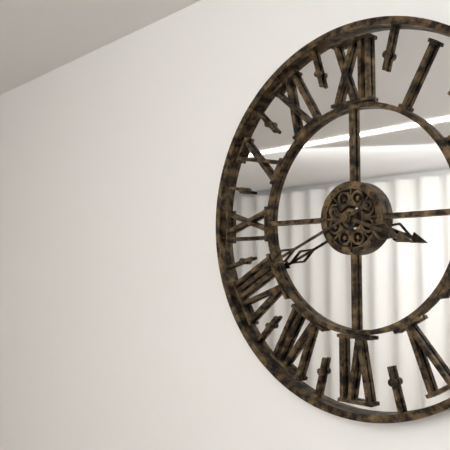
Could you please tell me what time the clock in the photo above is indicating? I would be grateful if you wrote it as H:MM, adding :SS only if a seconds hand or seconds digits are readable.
3:41
